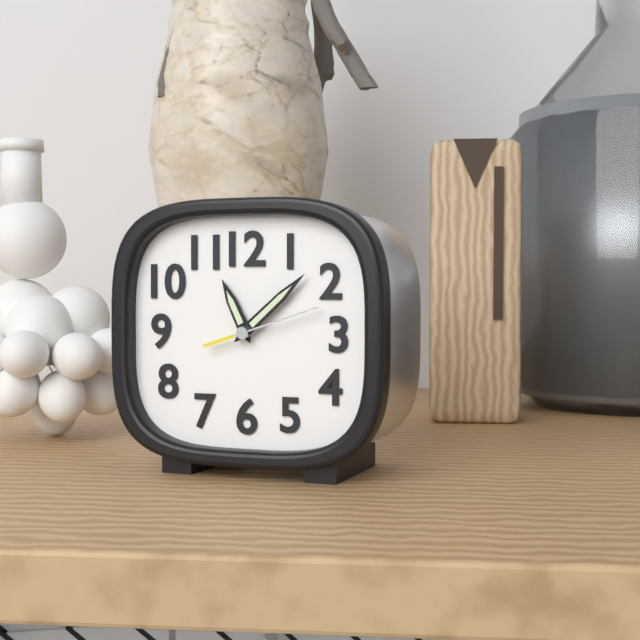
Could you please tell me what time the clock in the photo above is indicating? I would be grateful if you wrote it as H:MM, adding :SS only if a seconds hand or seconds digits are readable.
11:08:12
